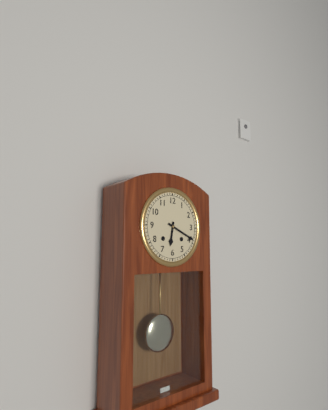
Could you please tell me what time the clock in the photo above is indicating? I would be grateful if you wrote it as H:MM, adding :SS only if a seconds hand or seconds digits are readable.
6:19
